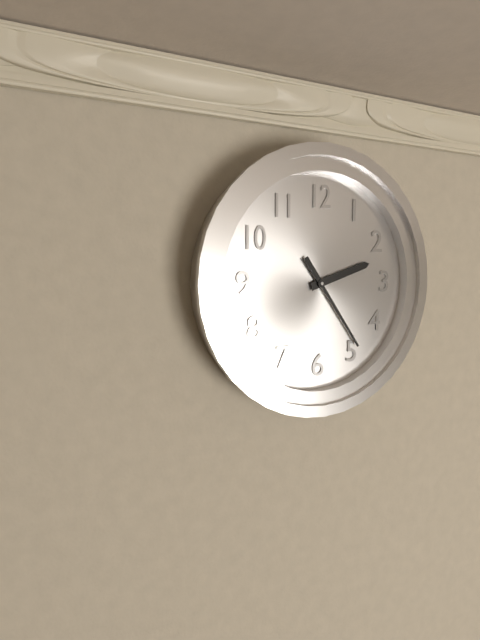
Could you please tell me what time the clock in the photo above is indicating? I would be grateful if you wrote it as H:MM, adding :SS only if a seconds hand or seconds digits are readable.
2:24
